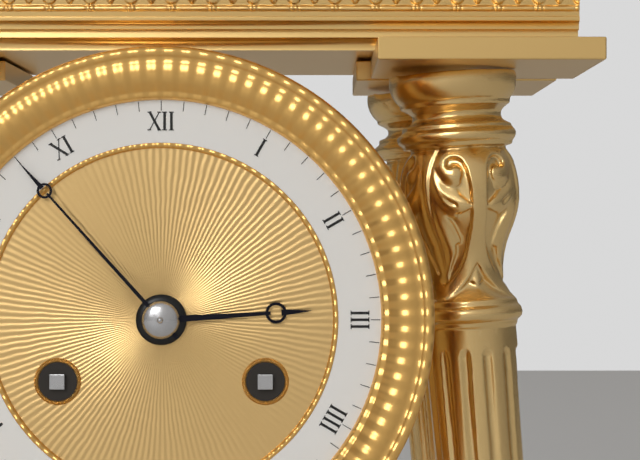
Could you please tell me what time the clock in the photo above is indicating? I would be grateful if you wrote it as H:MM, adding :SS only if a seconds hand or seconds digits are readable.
2:53
